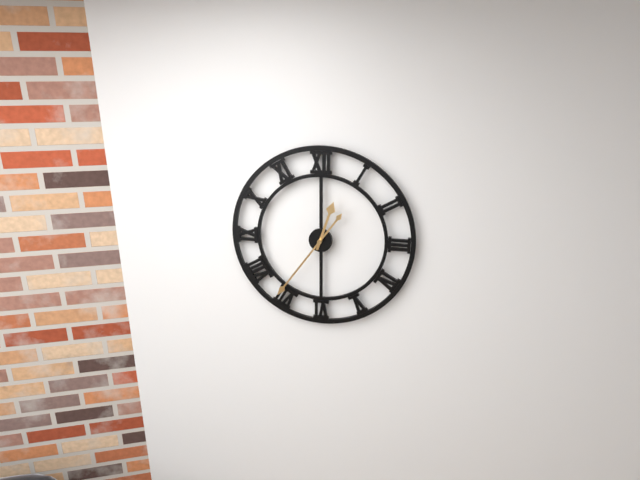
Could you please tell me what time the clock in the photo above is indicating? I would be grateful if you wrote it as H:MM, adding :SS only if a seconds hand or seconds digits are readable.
12:36
